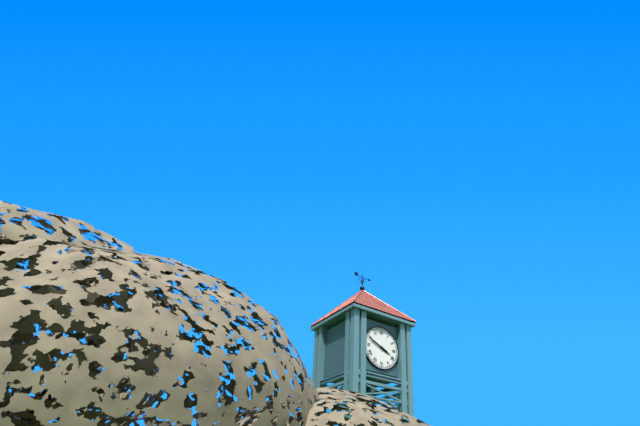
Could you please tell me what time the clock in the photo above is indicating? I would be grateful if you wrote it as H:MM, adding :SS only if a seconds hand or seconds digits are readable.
3:49
